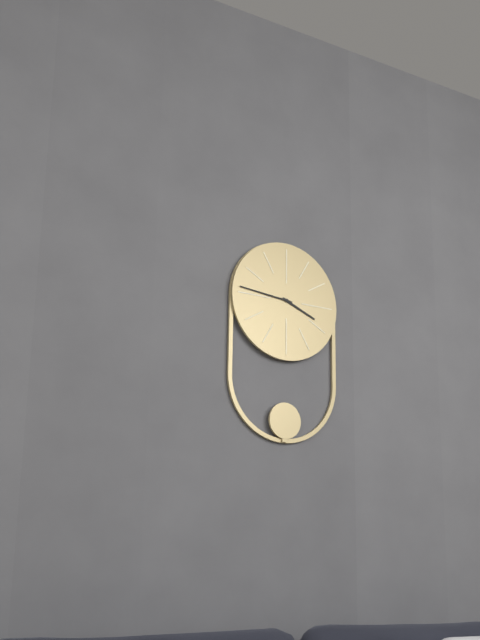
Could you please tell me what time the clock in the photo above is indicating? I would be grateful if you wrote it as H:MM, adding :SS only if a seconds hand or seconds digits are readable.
3:46
